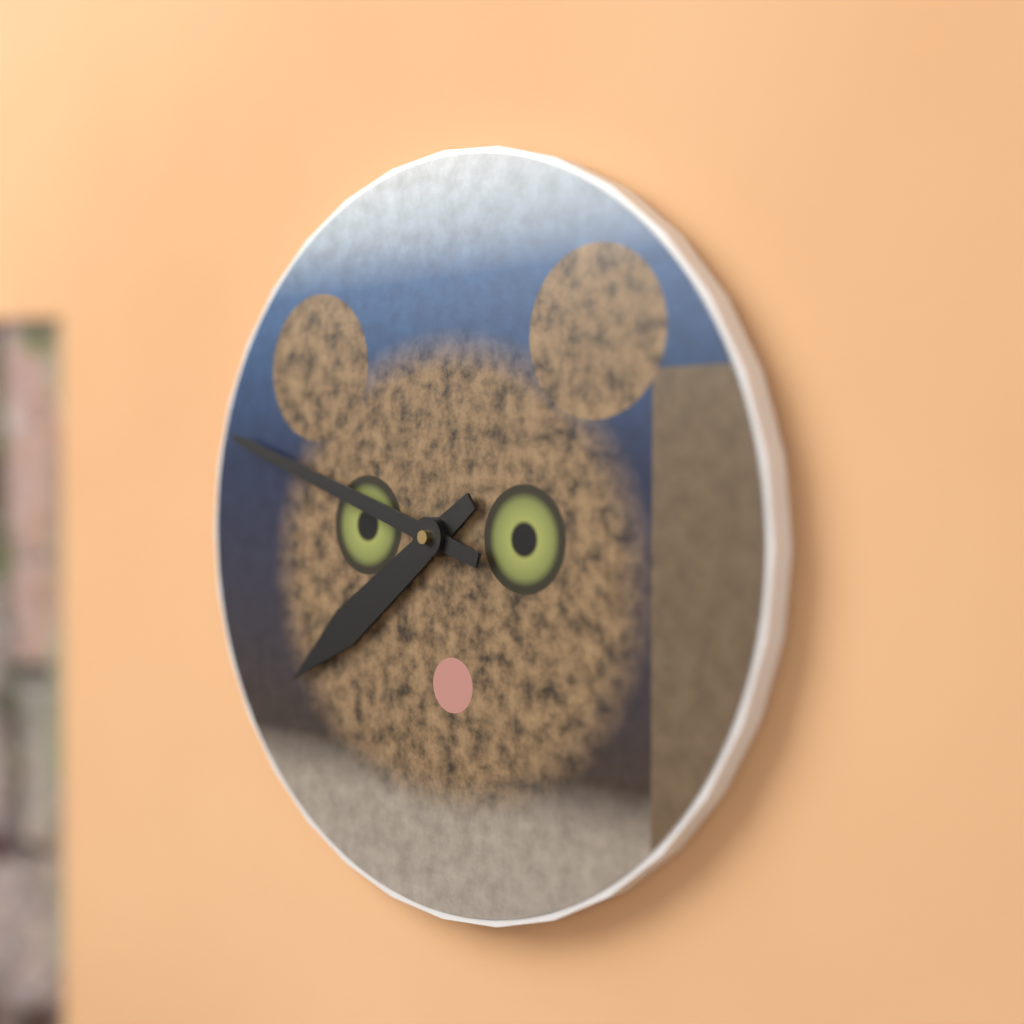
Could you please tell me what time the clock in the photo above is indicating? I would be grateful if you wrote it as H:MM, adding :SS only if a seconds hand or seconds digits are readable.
7:48
